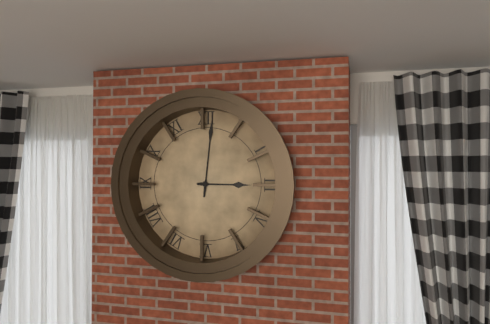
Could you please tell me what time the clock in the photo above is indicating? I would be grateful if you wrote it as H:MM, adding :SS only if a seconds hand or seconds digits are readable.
3:01
